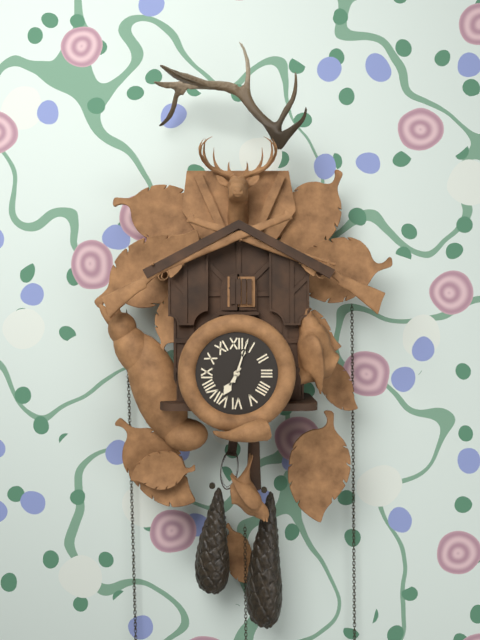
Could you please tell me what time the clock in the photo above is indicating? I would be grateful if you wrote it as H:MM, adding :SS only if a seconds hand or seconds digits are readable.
7:03
